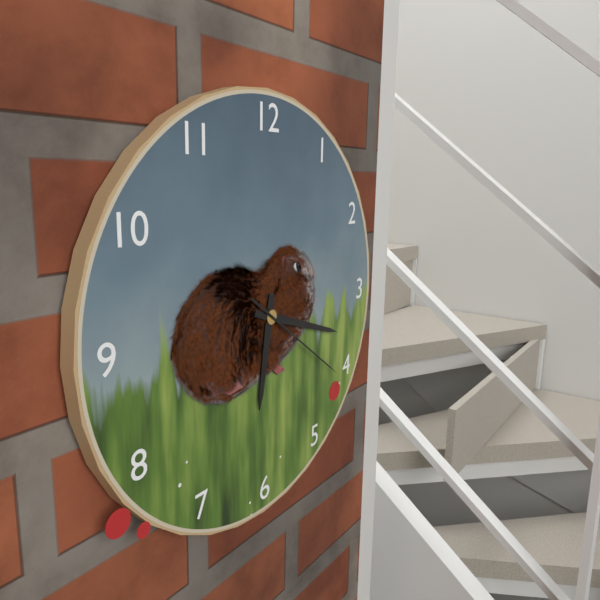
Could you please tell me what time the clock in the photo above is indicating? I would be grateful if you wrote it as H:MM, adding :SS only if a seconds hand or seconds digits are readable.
6:18:21
